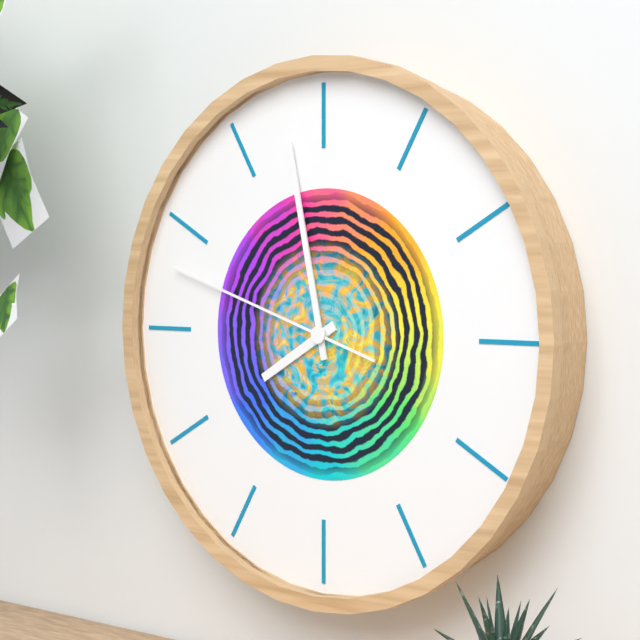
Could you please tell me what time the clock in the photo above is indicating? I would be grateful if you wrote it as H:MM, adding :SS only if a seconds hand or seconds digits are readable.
7:58:48
